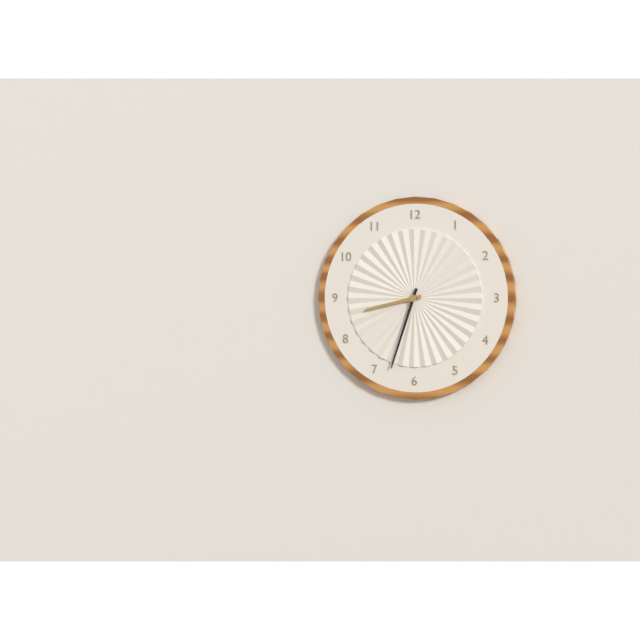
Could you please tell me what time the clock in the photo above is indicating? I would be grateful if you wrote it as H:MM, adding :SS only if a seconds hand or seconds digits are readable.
8:33
